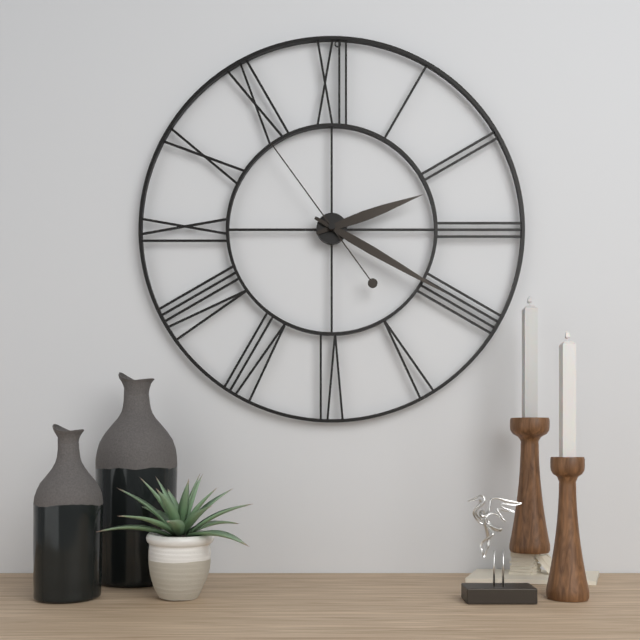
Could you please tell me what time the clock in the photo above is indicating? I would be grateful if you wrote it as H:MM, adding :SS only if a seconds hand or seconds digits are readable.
2:20:54
